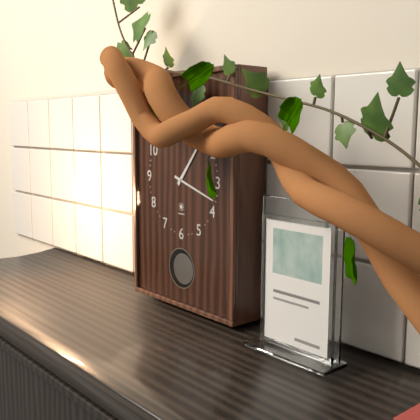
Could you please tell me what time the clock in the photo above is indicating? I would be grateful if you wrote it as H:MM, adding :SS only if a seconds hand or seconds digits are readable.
1:18
